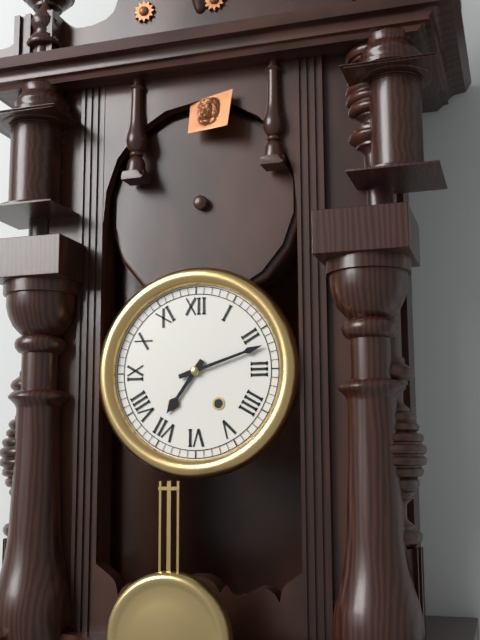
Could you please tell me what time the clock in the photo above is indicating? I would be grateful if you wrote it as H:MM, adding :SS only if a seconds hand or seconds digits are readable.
7:12
